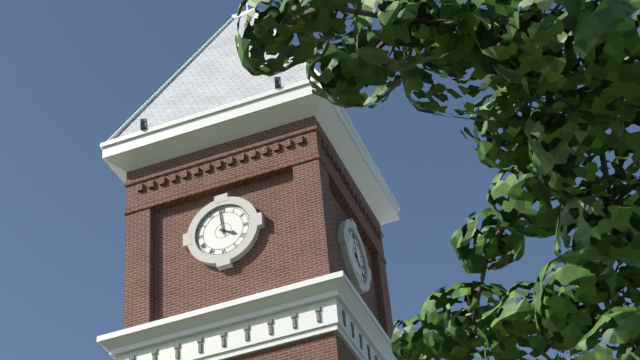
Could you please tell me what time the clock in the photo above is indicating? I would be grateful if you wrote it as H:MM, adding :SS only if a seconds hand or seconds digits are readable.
3:59
